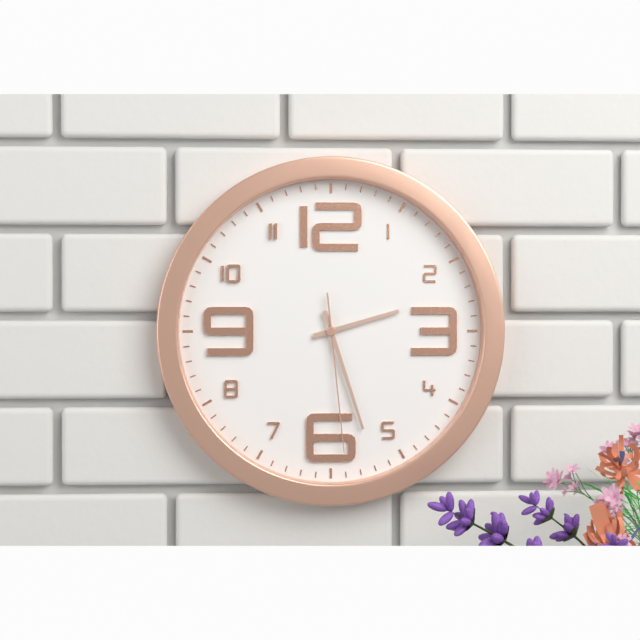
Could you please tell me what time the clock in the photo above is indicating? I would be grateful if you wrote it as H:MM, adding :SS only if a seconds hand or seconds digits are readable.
2:27:29
